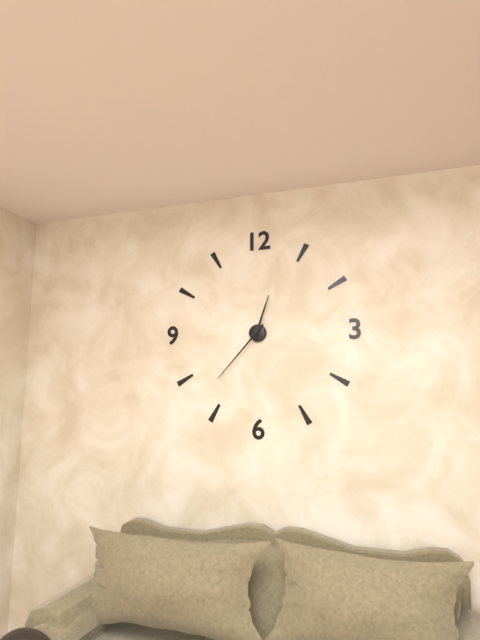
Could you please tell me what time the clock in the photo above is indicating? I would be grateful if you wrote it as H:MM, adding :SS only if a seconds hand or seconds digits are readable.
12:37
